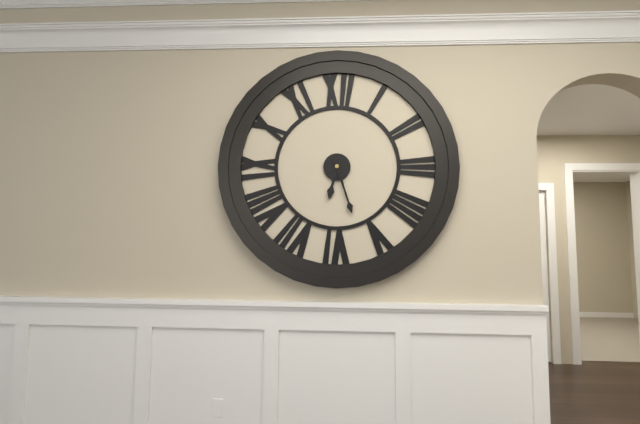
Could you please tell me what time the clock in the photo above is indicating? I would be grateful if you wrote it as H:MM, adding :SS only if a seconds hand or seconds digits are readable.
6:27
